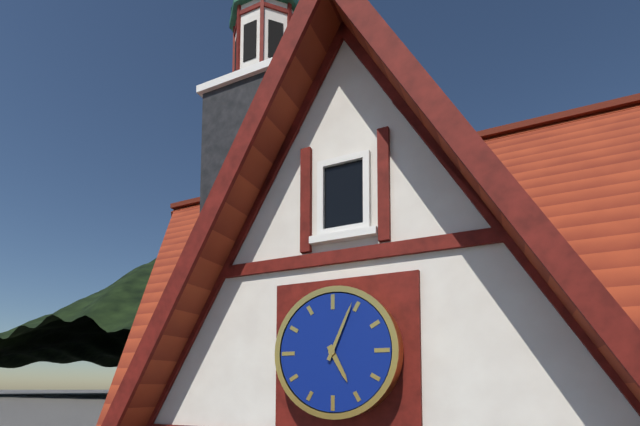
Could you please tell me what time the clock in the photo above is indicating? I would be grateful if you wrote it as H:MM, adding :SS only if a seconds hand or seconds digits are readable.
5:04
